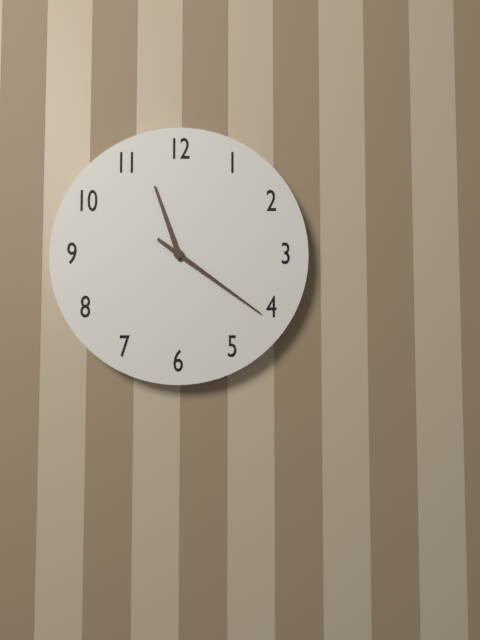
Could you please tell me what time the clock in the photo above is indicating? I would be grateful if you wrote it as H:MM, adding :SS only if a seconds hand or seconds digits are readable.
11:21
